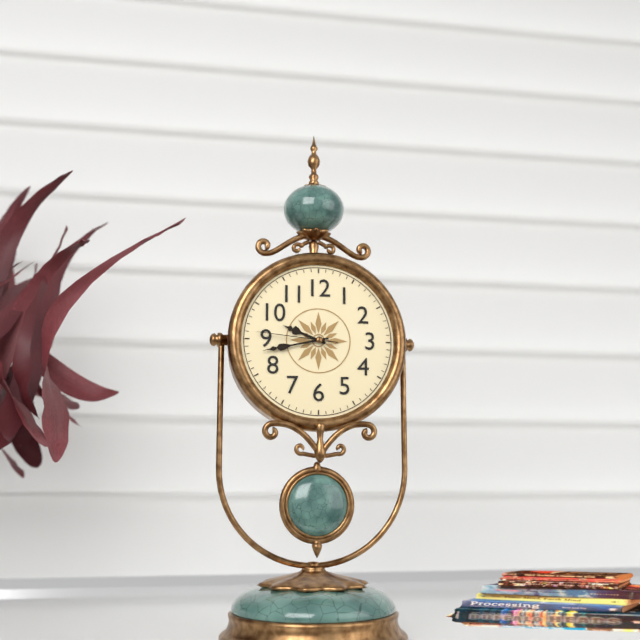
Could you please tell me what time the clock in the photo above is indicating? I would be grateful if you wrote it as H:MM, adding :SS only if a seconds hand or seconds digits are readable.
9:43:46
